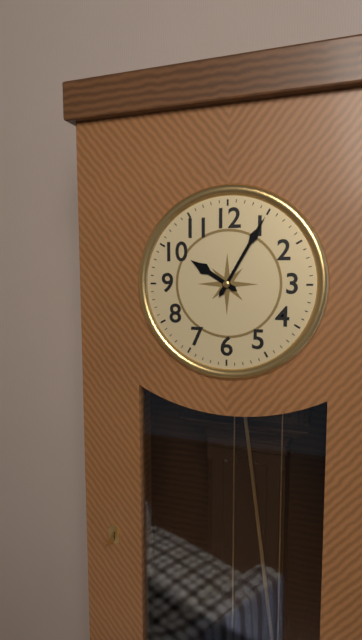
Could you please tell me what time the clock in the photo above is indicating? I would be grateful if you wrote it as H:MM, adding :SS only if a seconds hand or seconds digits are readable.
10:05
